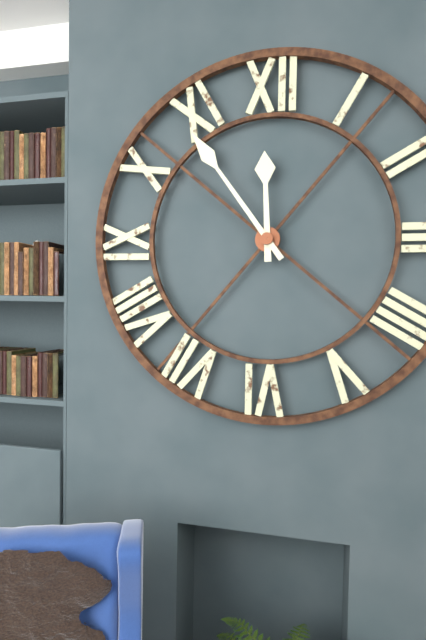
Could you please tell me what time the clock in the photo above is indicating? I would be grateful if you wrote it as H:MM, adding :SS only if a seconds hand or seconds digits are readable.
11:54
